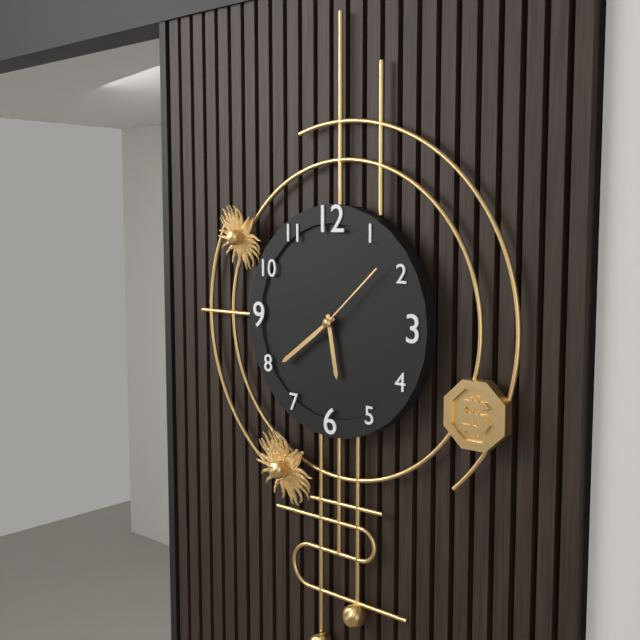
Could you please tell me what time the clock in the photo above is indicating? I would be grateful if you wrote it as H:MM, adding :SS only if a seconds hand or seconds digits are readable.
5:39:08
